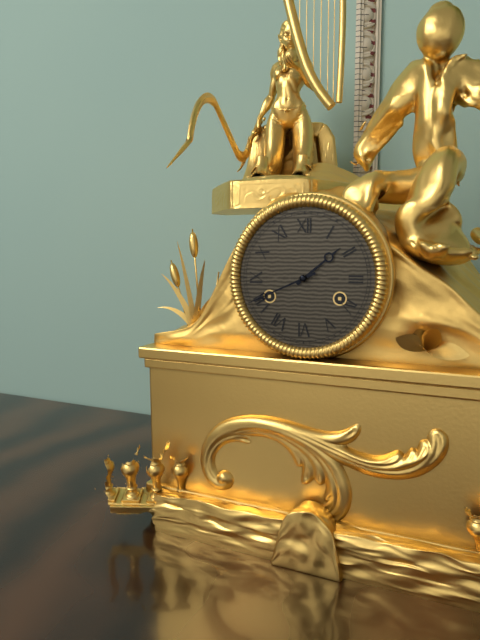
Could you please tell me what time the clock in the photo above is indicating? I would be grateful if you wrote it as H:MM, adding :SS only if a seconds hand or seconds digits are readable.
1:41
